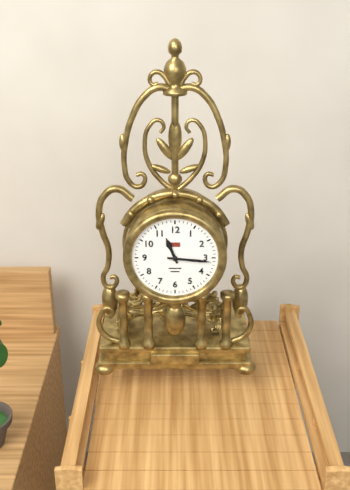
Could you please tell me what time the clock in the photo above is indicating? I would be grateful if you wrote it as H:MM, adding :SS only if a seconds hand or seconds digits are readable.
11:16
